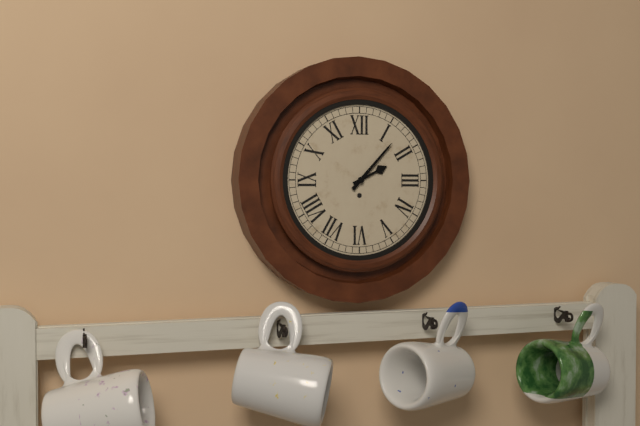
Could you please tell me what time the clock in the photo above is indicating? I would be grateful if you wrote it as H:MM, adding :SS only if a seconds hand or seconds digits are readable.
2:07
